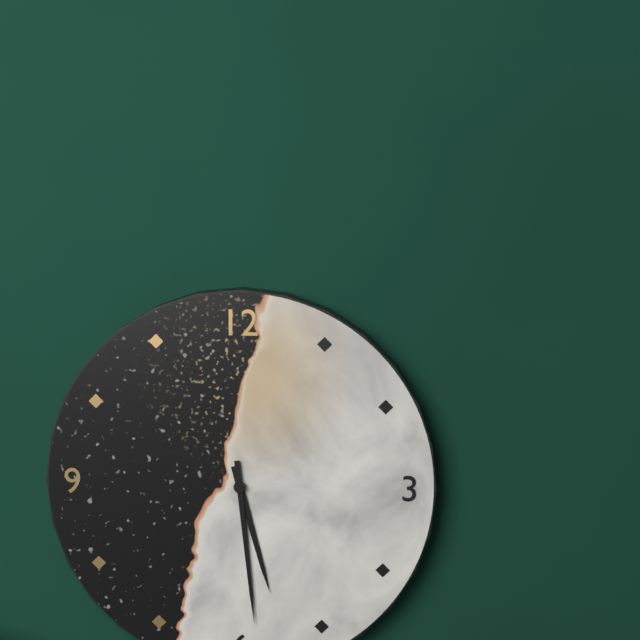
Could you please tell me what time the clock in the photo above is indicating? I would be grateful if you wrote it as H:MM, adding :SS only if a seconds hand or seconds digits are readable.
5:29
